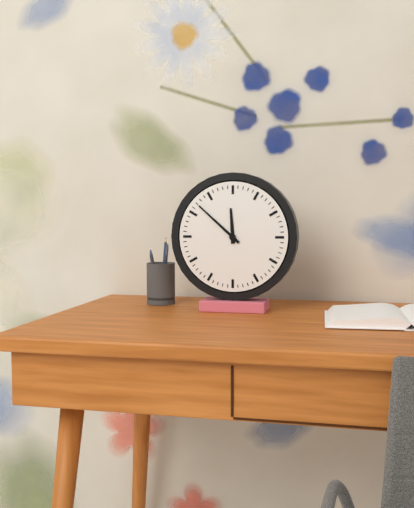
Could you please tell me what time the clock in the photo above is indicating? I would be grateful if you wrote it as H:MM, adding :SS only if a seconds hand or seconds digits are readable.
11:52
